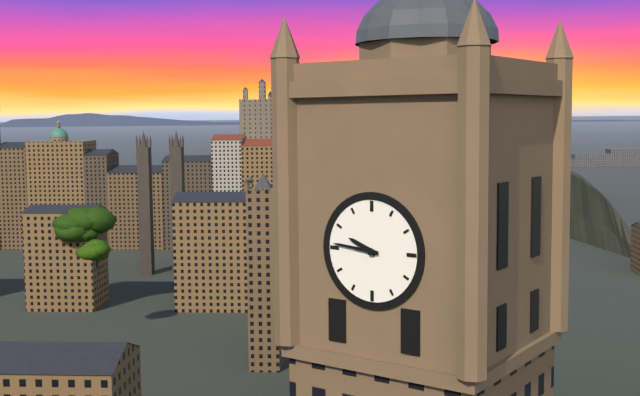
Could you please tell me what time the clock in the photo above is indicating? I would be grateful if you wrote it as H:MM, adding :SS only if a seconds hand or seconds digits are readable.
9:46
